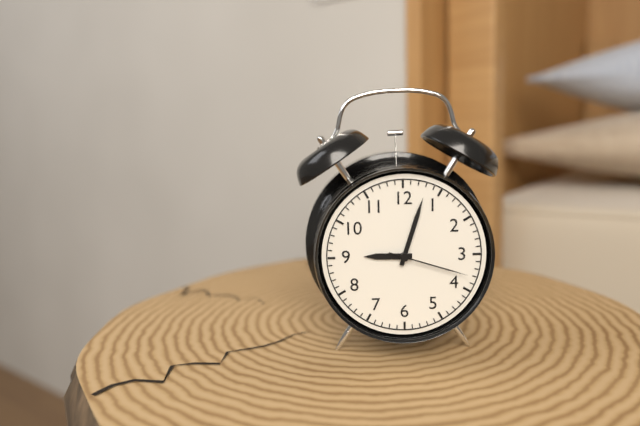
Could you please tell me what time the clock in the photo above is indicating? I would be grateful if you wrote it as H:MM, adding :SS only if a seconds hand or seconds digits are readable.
9:03:18
